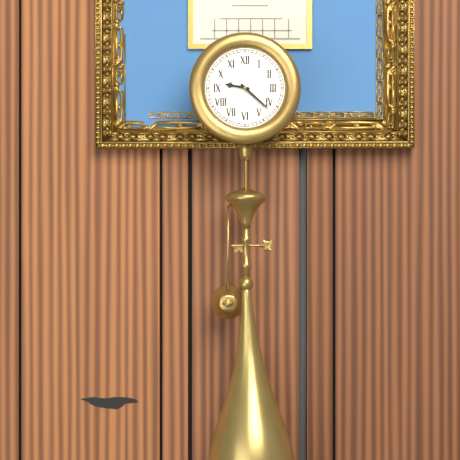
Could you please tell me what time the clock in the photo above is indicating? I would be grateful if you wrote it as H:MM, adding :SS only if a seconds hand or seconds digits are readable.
9:22
